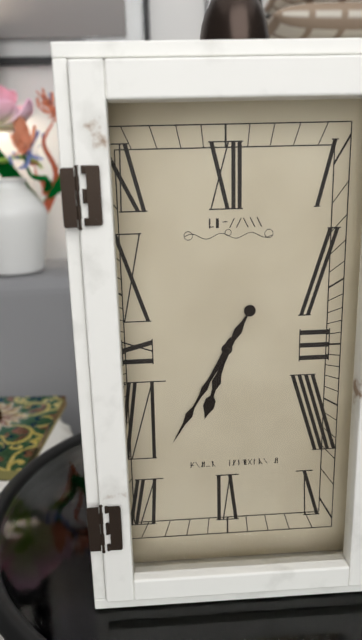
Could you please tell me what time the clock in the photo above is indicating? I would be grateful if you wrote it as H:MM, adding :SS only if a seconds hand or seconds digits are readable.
6:35
